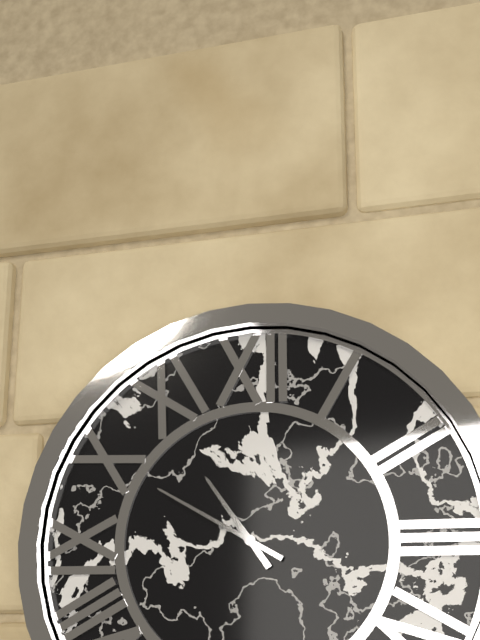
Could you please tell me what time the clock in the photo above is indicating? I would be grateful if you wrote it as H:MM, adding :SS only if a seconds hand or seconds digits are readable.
10:50
